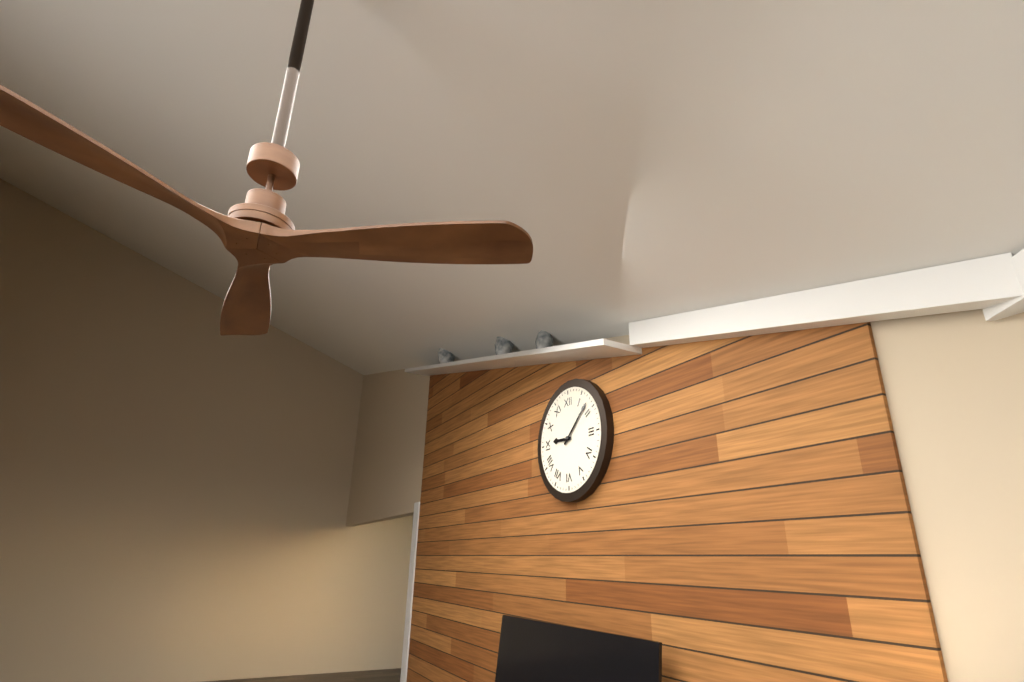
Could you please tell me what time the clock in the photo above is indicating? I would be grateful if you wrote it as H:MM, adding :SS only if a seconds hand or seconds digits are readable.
9:08
